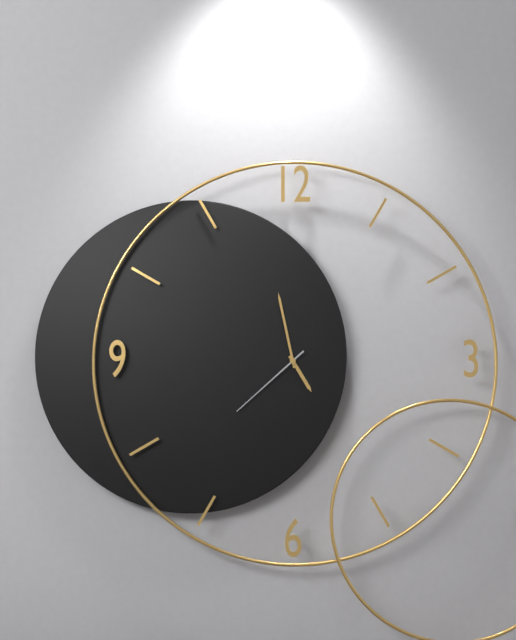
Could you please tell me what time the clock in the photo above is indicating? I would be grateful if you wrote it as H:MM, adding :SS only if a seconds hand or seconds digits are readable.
4:58:38
